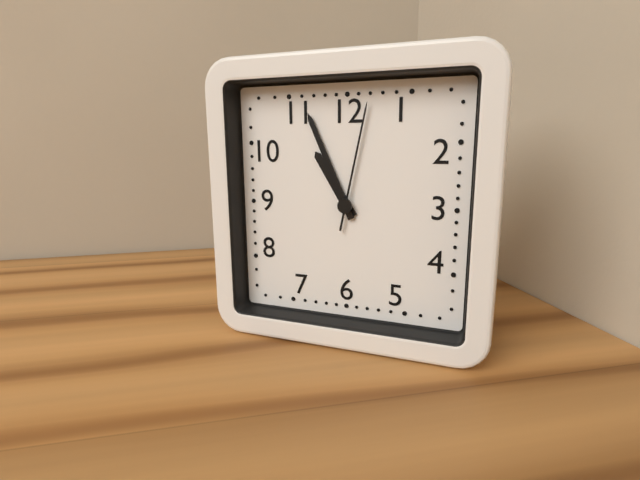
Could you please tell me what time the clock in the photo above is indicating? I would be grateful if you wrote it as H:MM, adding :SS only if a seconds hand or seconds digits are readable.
10:56:02
